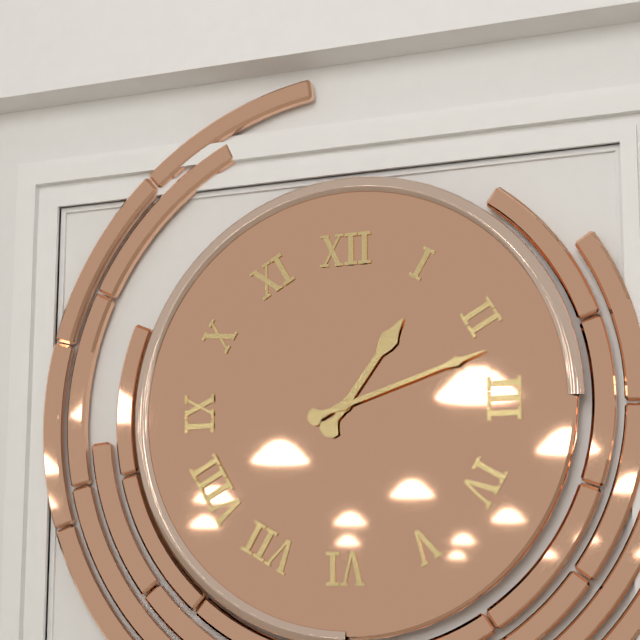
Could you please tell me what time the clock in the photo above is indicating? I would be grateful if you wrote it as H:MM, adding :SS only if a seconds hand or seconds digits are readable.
1:12
